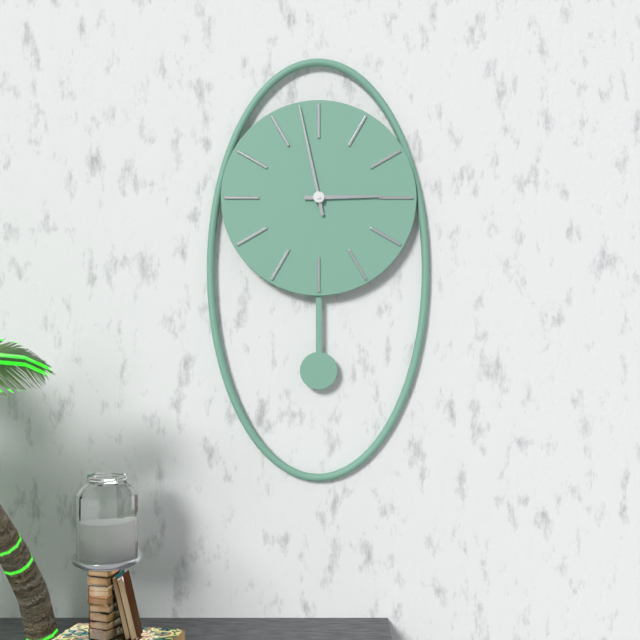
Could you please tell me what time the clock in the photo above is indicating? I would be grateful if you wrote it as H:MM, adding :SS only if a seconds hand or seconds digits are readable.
2:58
